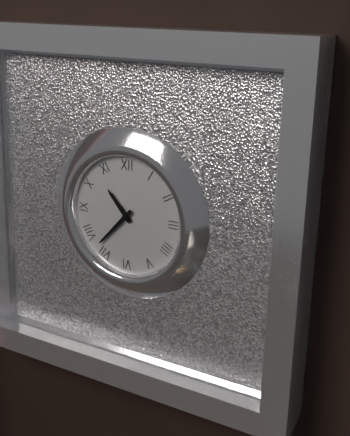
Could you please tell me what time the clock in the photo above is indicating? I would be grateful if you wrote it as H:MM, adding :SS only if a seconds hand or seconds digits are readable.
10:37
